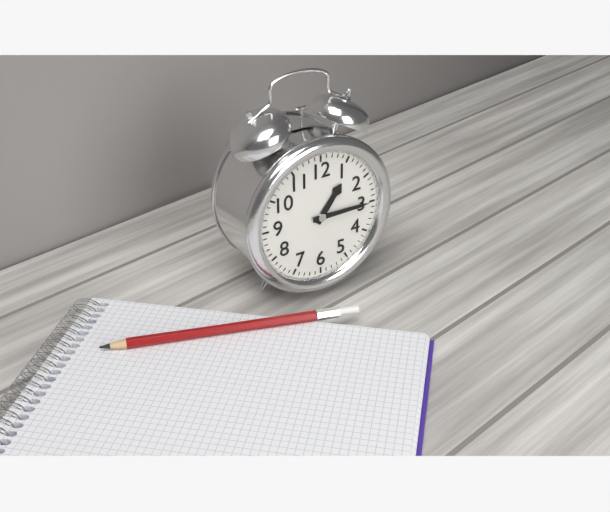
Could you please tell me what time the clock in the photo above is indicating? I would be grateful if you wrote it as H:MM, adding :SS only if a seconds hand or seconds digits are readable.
1:15
